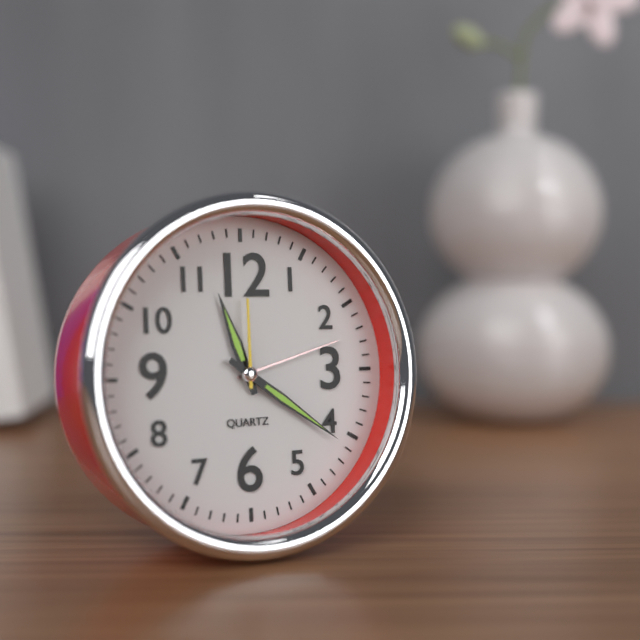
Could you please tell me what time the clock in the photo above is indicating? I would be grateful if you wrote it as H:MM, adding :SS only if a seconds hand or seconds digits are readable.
11:21:00
